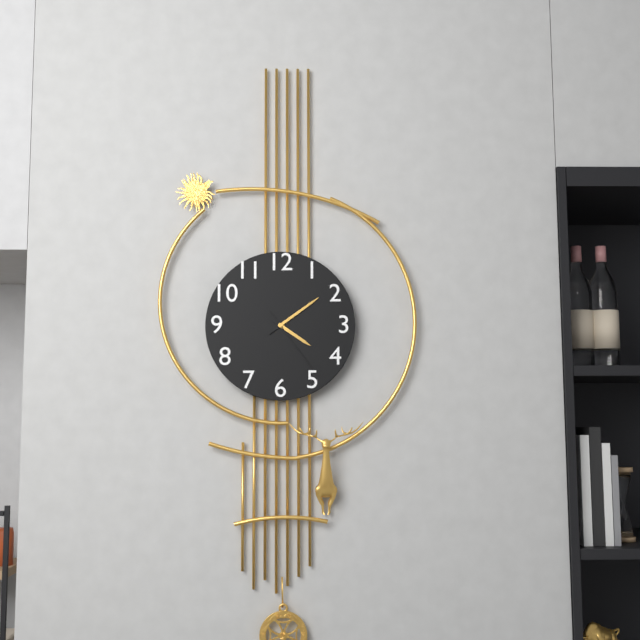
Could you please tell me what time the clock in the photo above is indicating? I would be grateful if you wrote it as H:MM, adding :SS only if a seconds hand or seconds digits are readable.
4:09:24
